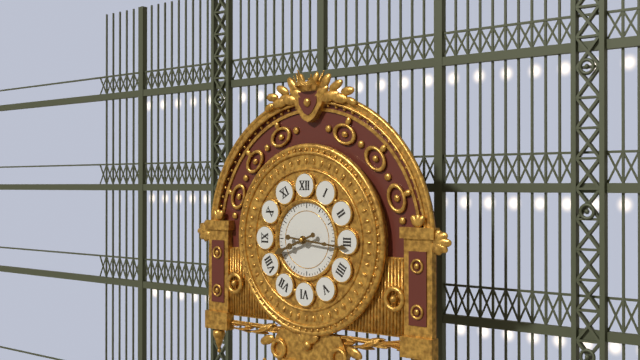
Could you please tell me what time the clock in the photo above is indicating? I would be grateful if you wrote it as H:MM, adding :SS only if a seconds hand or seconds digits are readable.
8:16
